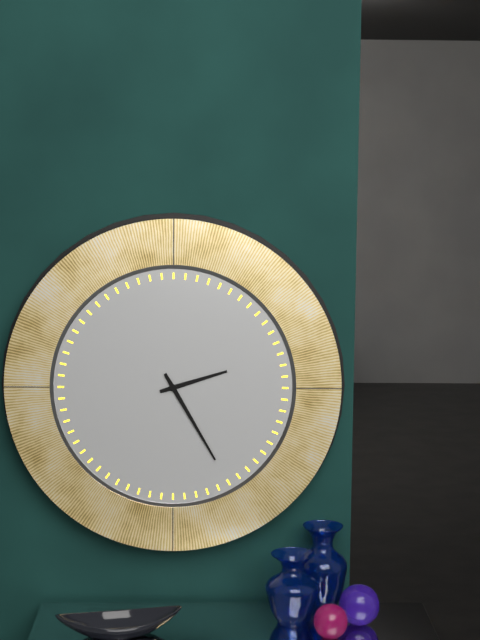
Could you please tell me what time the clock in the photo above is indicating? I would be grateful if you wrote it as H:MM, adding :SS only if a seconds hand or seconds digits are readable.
2:25
